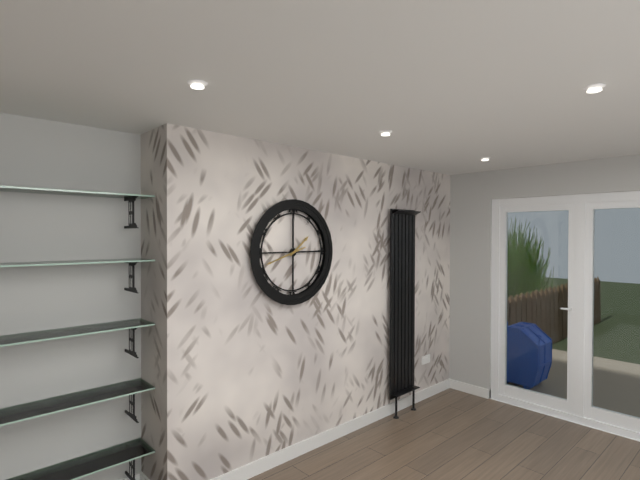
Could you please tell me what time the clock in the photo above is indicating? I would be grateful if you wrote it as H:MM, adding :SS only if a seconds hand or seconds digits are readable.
1:42
